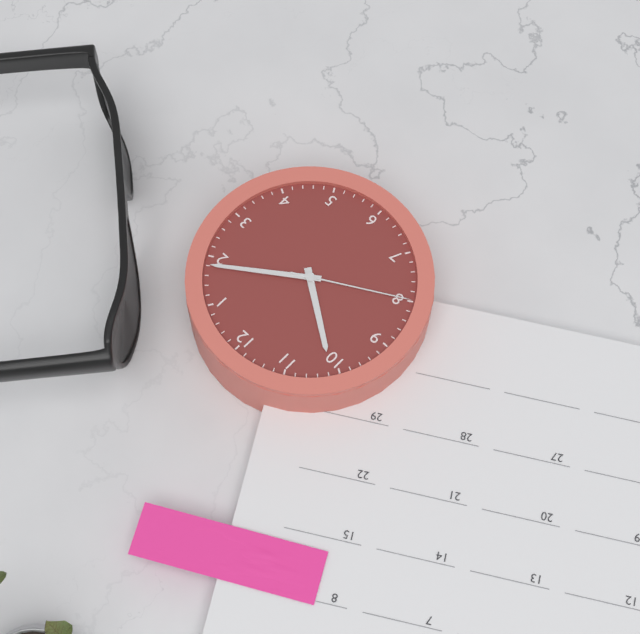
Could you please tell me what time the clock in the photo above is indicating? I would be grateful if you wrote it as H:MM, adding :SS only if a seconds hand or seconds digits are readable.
10:09:40
